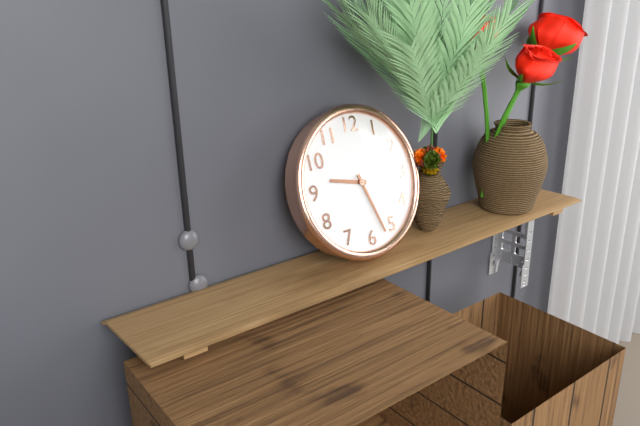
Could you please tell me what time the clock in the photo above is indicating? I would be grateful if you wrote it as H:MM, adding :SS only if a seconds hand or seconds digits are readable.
9:27
